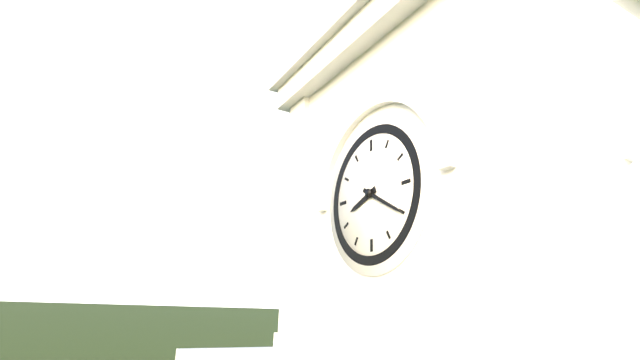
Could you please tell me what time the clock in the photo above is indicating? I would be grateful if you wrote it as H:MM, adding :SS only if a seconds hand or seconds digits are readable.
8:20
